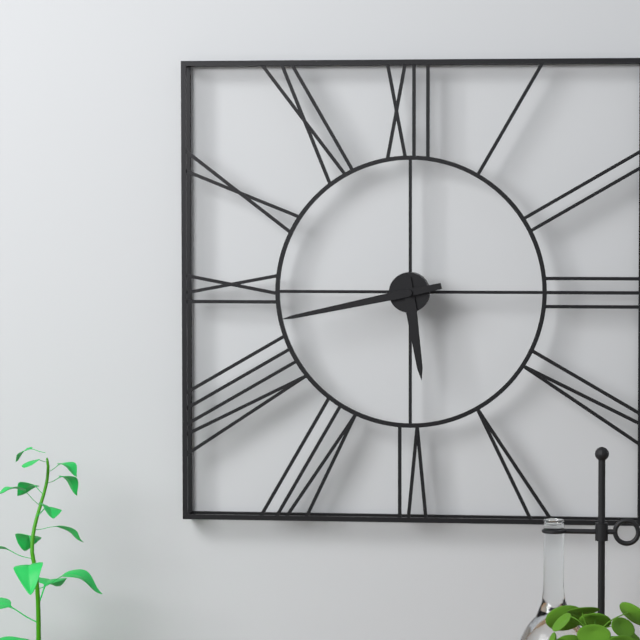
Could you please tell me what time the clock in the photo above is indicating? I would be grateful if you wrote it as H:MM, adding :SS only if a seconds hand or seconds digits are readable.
5:43
